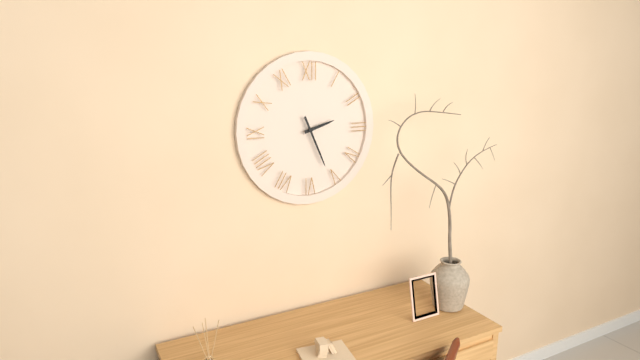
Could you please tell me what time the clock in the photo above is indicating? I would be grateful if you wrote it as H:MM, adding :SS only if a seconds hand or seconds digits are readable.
2:26
